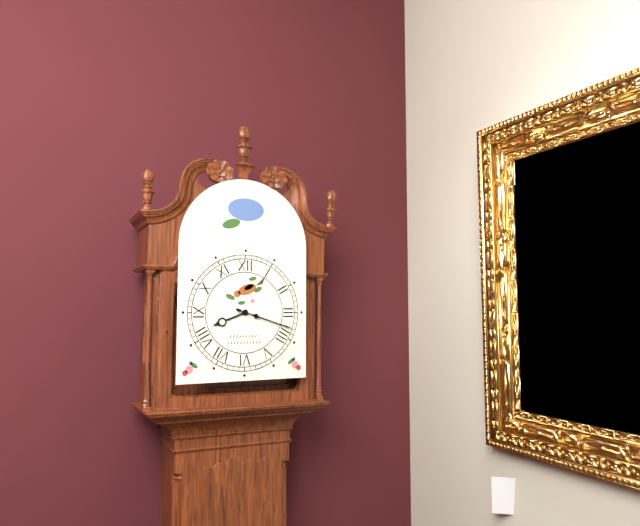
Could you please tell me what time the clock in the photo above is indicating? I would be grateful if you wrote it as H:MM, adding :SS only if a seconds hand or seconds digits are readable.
8:18
